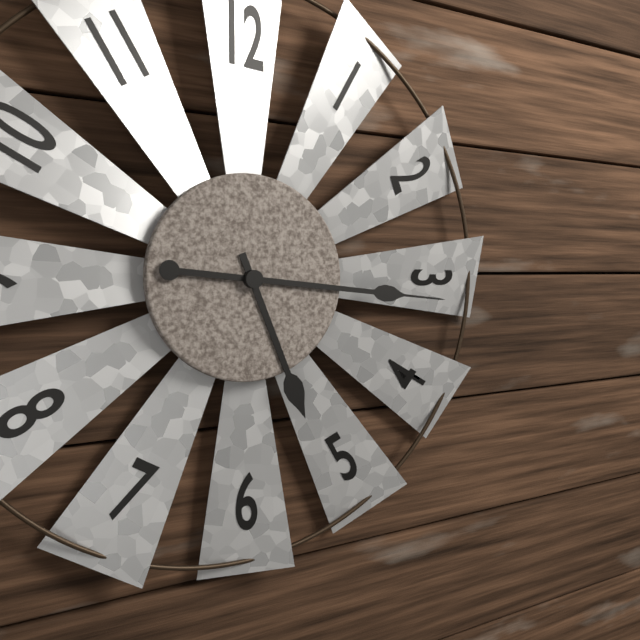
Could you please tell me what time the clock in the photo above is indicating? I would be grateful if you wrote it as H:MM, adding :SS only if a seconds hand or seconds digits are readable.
5:16
